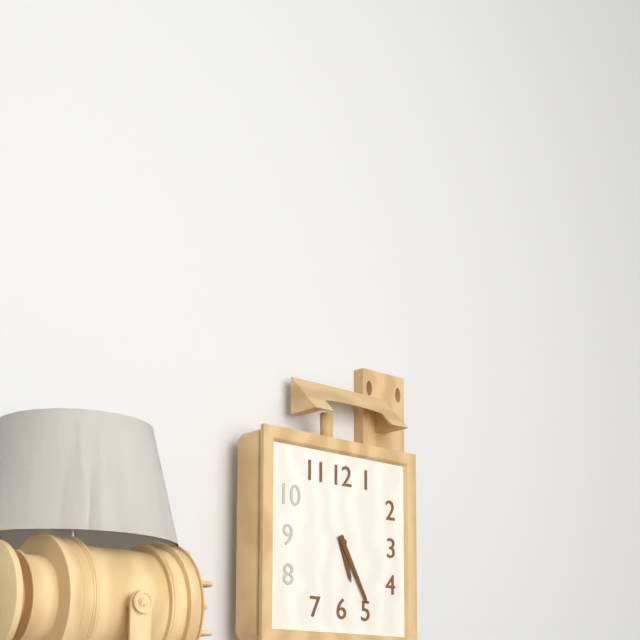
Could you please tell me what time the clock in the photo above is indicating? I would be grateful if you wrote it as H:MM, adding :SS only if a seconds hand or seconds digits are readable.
5:25
